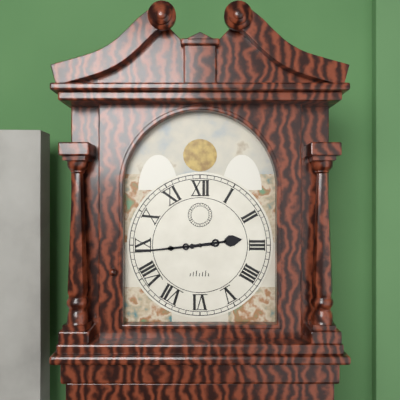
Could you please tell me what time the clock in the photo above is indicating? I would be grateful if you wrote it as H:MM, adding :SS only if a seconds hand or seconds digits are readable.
2:44
